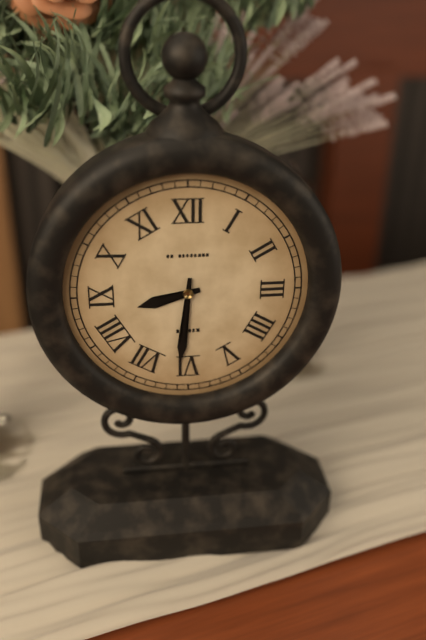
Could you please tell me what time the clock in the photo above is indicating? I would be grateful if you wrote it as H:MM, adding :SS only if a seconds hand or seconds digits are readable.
8:31
